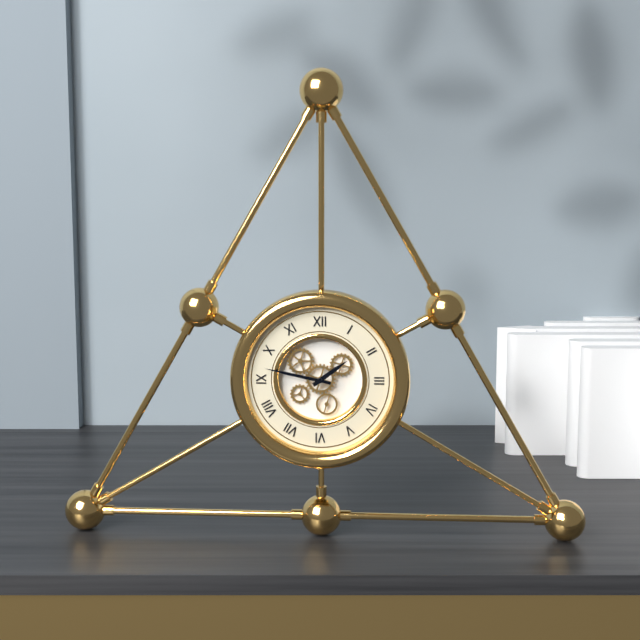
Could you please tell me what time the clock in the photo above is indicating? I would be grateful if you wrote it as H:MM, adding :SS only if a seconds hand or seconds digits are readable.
1:47
